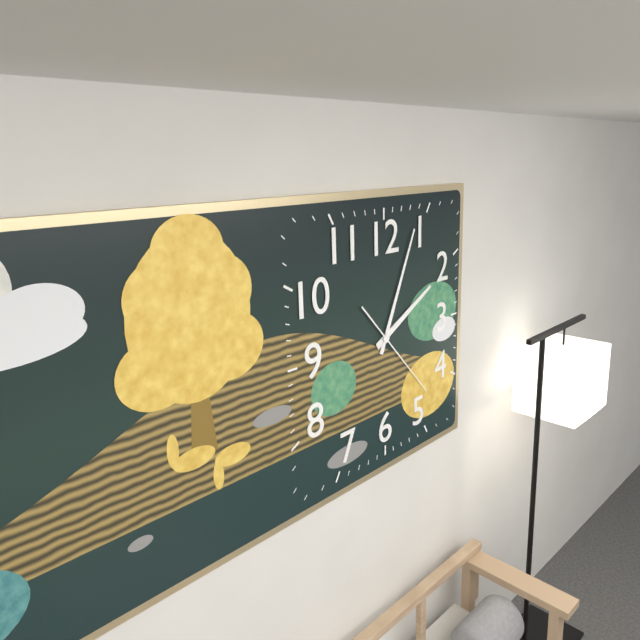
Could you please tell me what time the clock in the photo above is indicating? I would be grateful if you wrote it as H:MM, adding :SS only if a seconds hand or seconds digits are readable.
2:04:23
